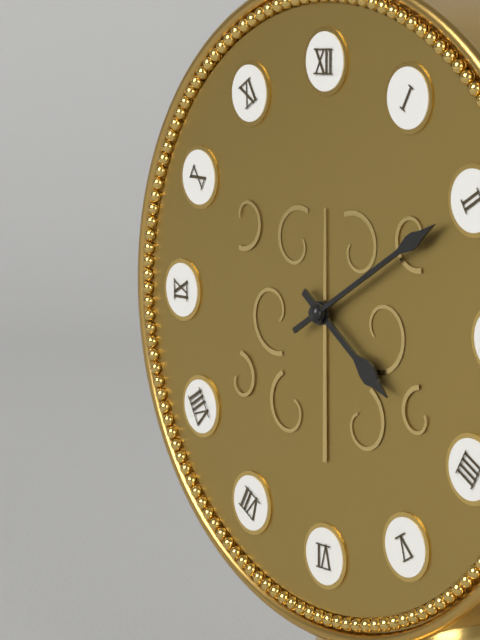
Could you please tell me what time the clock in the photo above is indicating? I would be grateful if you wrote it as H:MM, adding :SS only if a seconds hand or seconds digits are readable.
4:10
